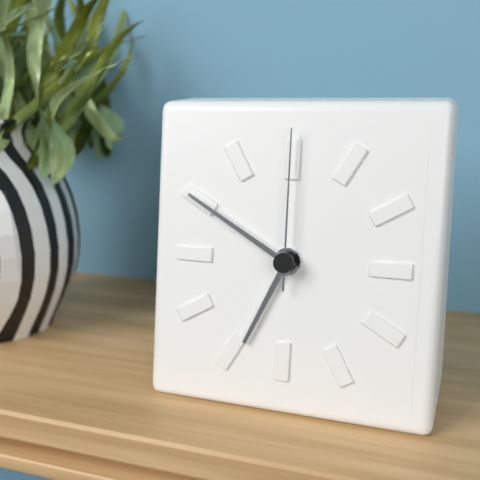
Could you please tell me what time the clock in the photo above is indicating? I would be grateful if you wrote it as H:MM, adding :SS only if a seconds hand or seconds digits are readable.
6:50:00
